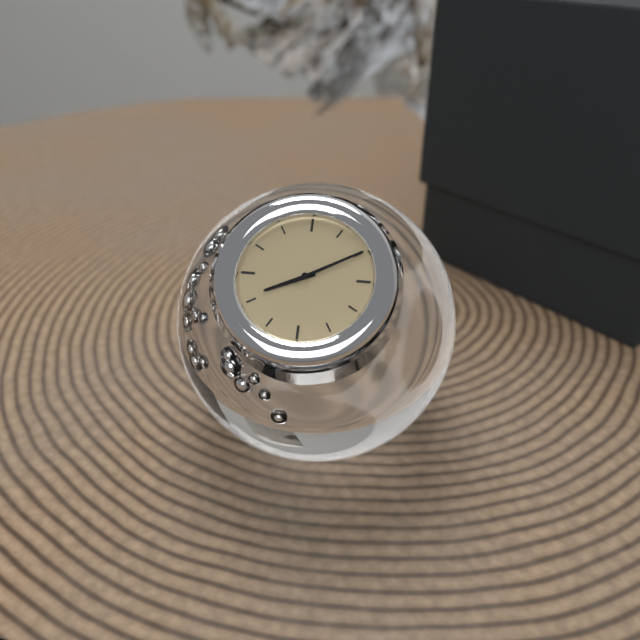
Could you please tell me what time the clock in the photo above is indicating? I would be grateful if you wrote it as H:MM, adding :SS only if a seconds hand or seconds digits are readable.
8:10
